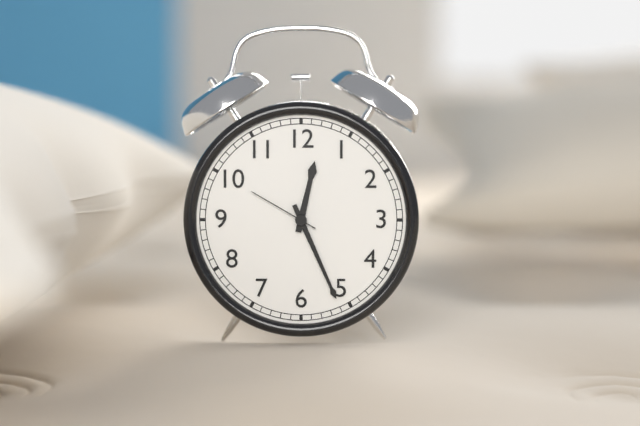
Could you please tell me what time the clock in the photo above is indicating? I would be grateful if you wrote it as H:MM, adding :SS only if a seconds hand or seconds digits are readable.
12:26:50
